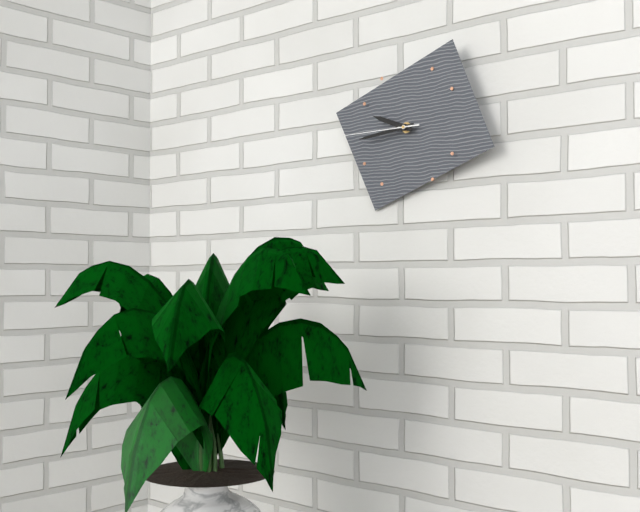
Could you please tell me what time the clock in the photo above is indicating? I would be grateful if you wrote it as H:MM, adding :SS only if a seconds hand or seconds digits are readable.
9:44:45
